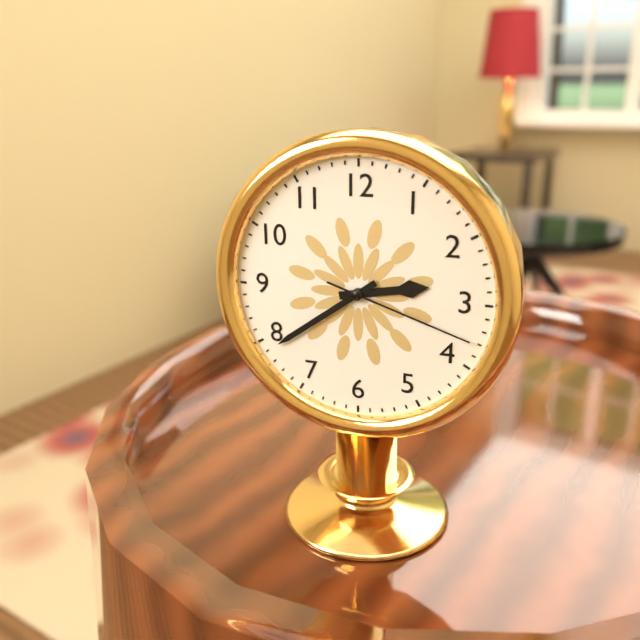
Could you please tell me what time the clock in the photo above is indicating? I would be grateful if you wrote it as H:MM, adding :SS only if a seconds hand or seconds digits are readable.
2:39:18
